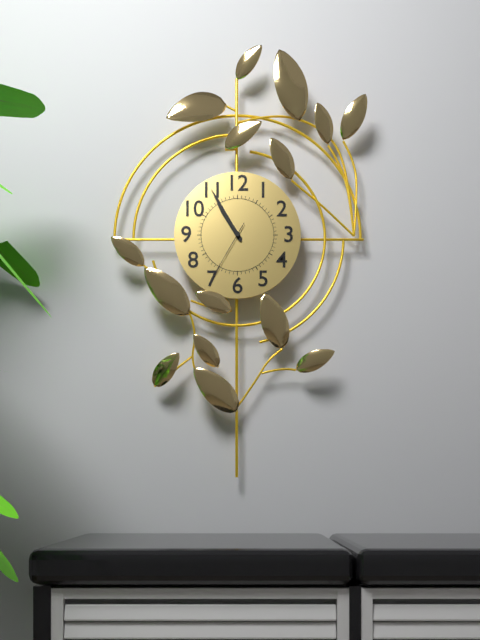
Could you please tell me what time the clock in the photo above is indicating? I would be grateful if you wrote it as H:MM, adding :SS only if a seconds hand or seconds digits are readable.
10:55:35
